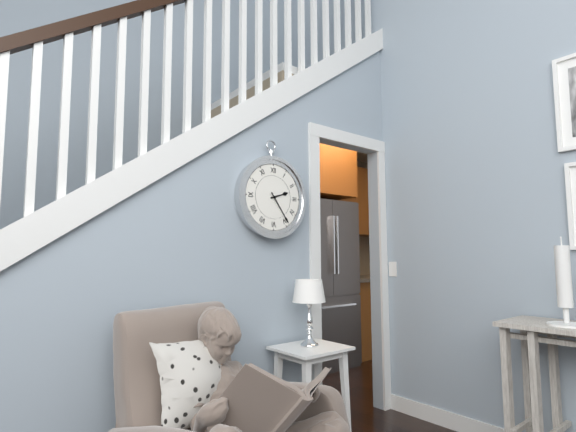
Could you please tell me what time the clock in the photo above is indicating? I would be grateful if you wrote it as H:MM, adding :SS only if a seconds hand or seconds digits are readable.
2:24
